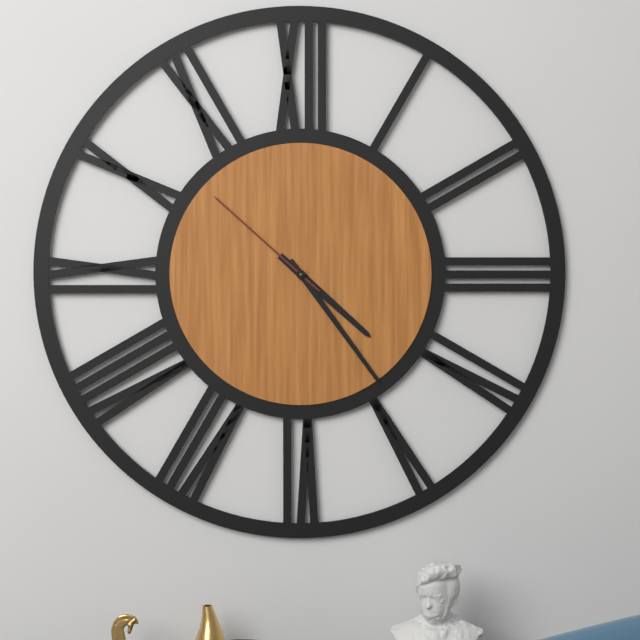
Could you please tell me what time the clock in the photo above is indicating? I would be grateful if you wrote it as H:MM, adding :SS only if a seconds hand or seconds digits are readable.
4:24:52
